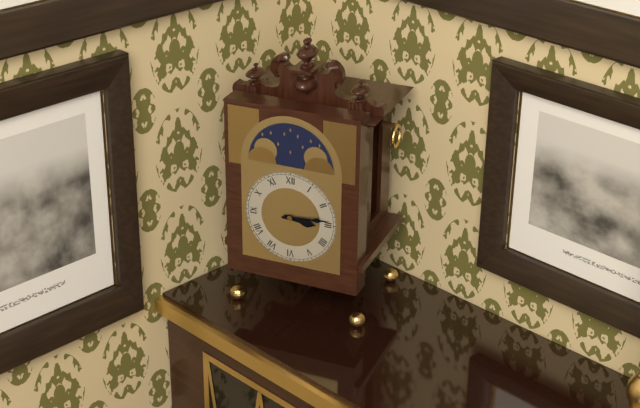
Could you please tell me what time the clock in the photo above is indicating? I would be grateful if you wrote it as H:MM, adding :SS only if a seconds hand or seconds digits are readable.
3:14
